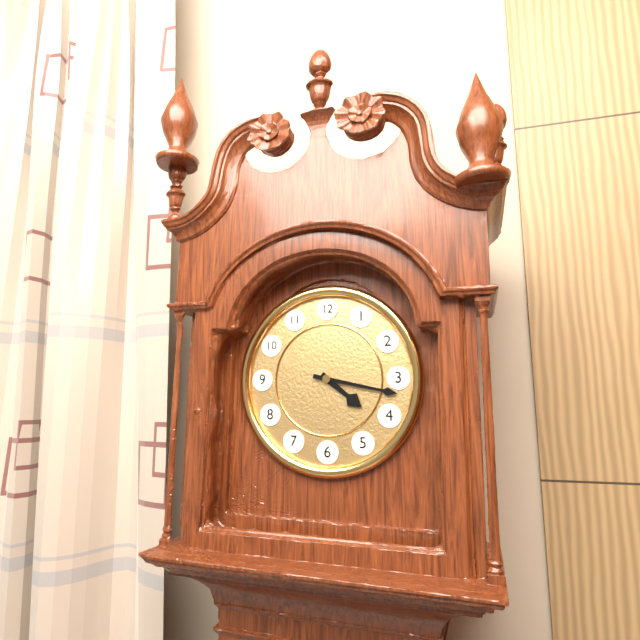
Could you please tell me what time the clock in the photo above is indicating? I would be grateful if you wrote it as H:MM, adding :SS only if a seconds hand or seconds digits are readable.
4:17
